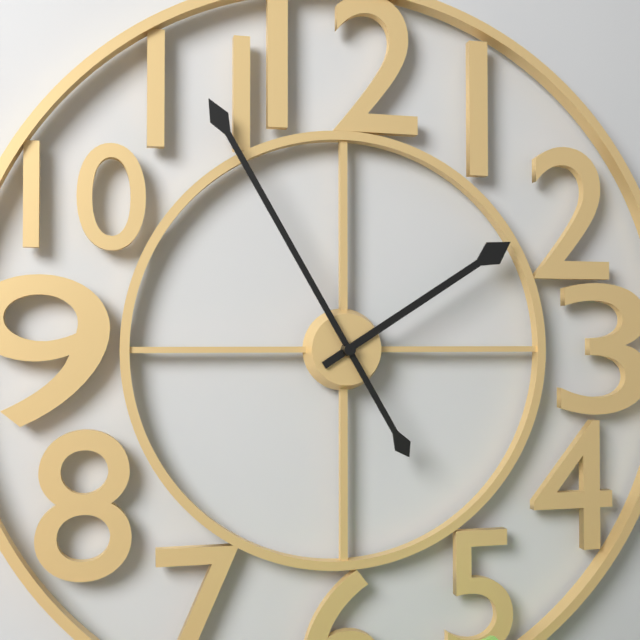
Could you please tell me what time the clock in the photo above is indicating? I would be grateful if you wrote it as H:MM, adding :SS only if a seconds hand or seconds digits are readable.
1:55
